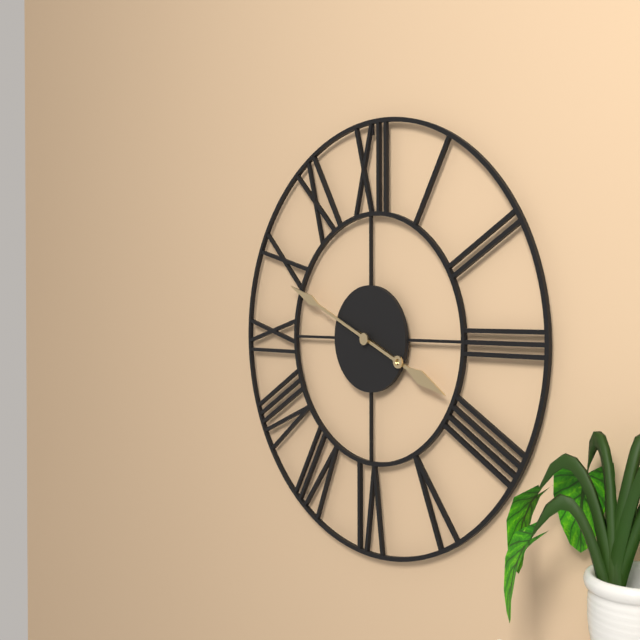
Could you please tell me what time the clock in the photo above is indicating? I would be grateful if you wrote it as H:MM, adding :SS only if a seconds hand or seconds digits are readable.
3:49
